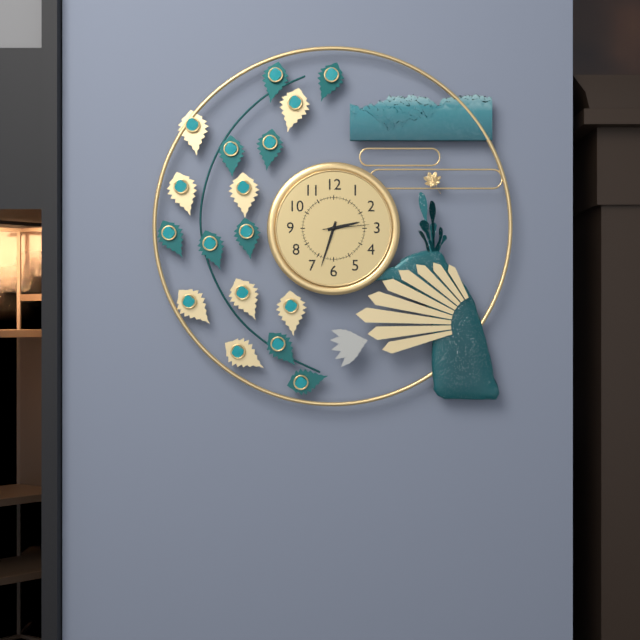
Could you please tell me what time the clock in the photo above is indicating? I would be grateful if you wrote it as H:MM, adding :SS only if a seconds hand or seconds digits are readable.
2:33
